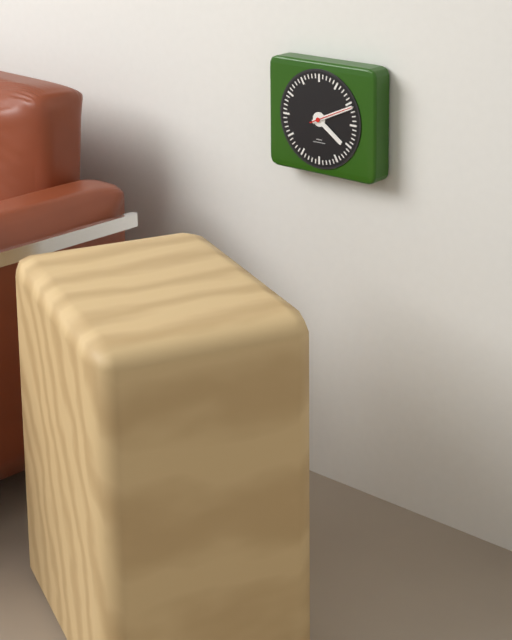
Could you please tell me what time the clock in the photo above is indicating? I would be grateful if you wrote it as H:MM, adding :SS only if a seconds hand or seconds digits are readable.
4:11
